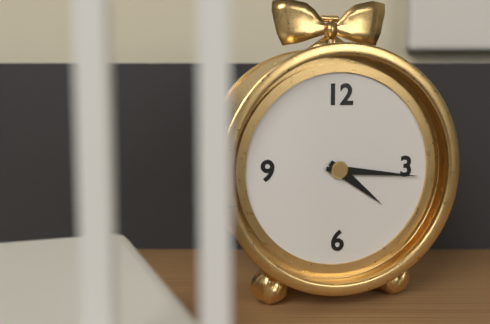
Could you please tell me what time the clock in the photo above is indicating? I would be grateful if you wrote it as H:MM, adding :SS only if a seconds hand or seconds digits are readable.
4:16
